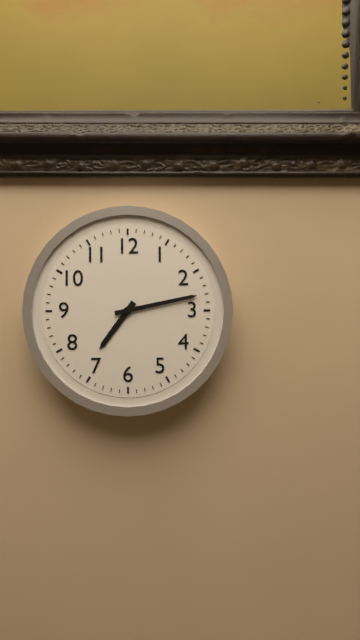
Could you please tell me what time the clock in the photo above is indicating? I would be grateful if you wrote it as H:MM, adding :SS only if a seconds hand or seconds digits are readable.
7:13
